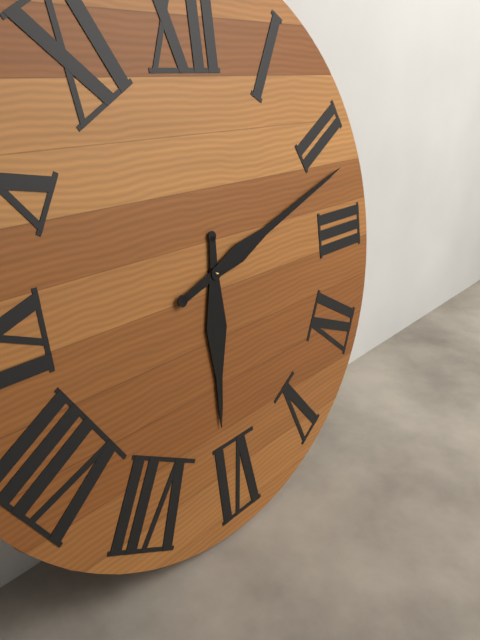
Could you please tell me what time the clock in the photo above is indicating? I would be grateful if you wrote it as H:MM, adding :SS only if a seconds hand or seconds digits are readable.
6:12
